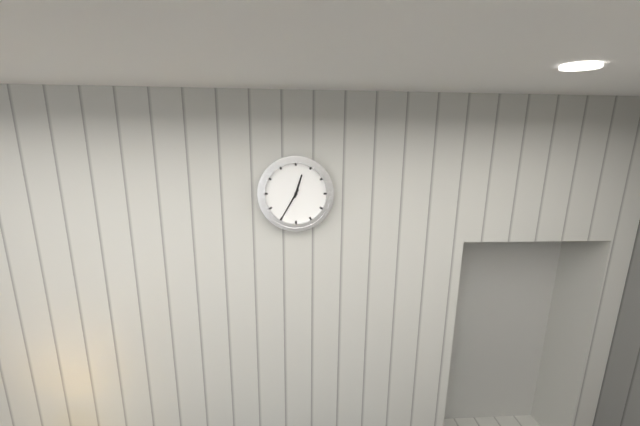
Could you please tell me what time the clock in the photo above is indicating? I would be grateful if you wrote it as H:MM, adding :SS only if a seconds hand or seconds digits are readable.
12:35
